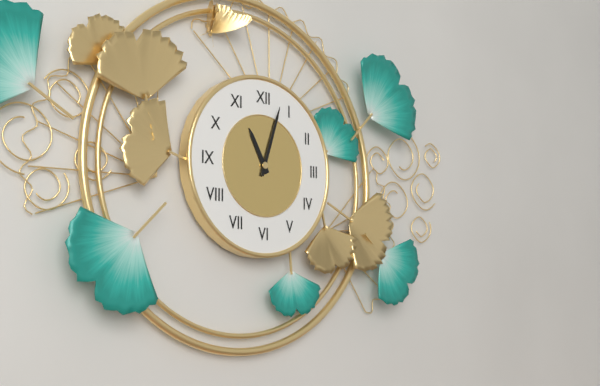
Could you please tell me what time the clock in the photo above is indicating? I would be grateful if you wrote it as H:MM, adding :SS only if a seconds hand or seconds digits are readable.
11:03
